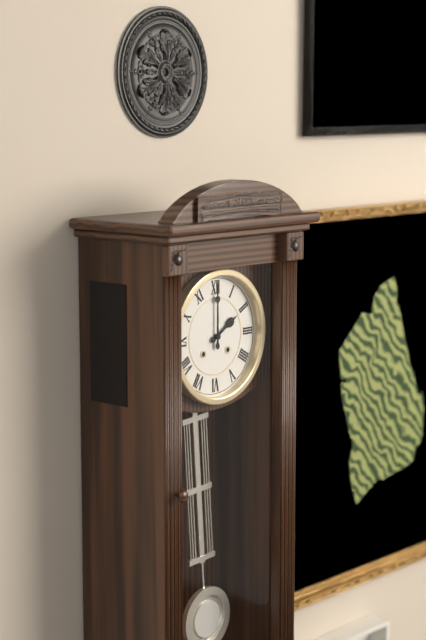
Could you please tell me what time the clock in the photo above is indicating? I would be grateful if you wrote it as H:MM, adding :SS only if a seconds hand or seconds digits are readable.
2:00
